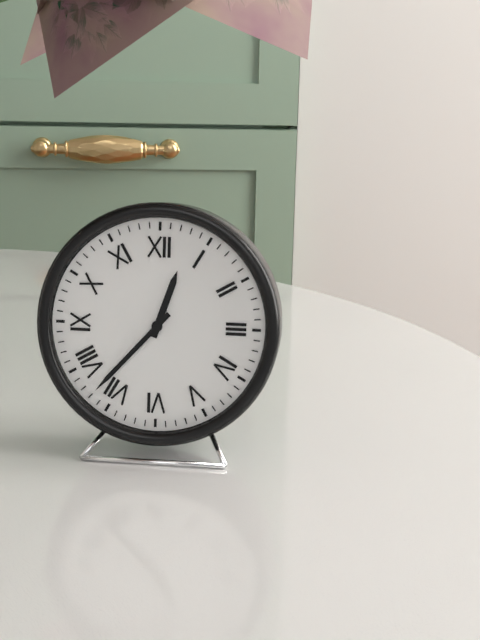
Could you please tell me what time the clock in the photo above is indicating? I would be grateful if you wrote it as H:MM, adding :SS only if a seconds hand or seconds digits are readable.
12:37
